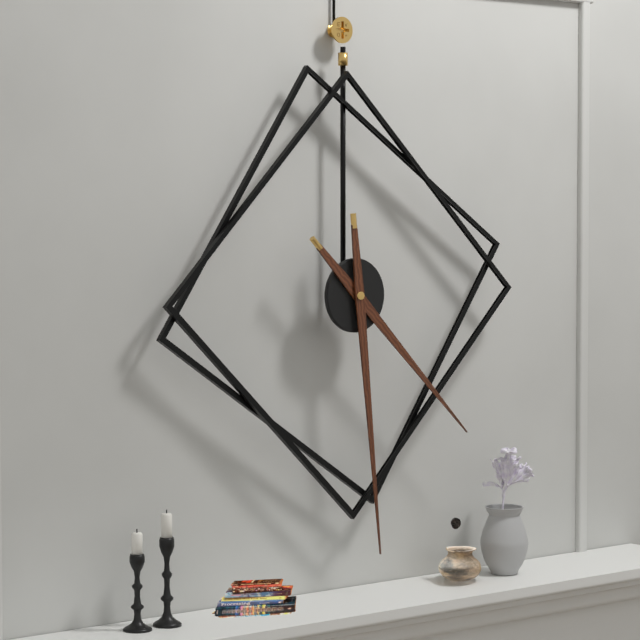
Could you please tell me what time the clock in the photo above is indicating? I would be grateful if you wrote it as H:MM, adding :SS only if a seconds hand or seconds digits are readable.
4:29
